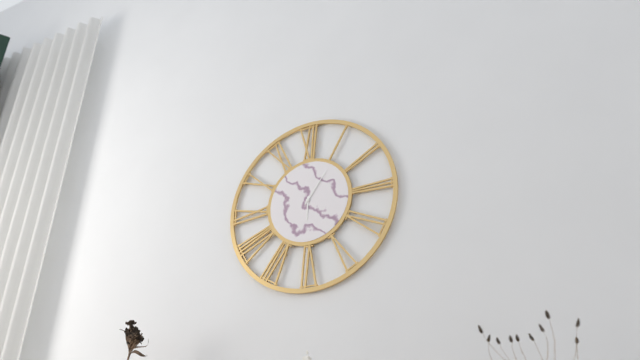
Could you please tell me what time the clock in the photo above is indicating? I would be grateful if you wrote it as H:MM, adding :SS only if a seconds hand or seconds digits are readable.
6:06
